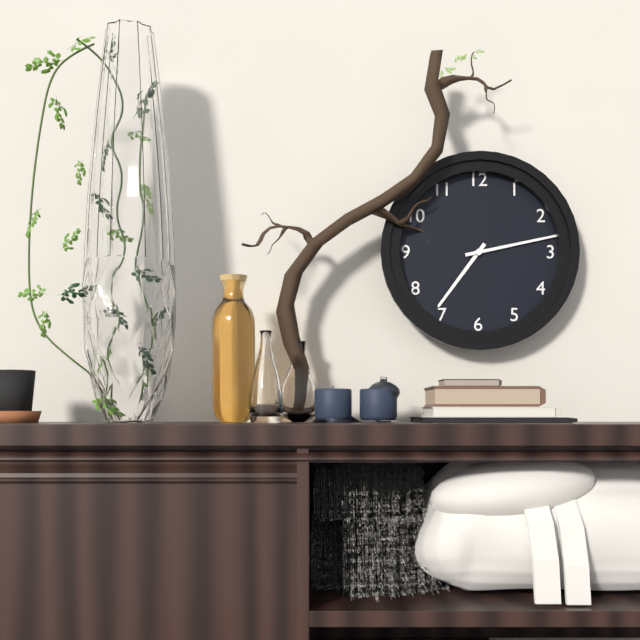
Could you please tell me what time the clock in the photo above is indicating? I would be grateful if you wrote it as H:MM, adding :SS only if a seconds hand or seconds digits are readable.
7:13
